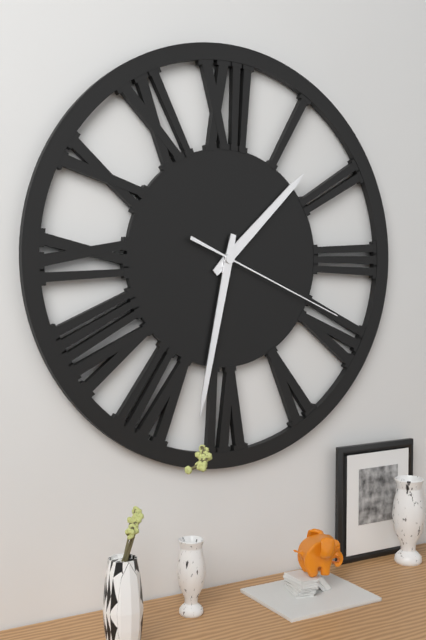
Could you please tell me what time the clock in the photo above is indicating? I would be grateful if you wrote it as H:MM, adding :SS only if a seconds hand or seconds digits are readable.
1:32:19
